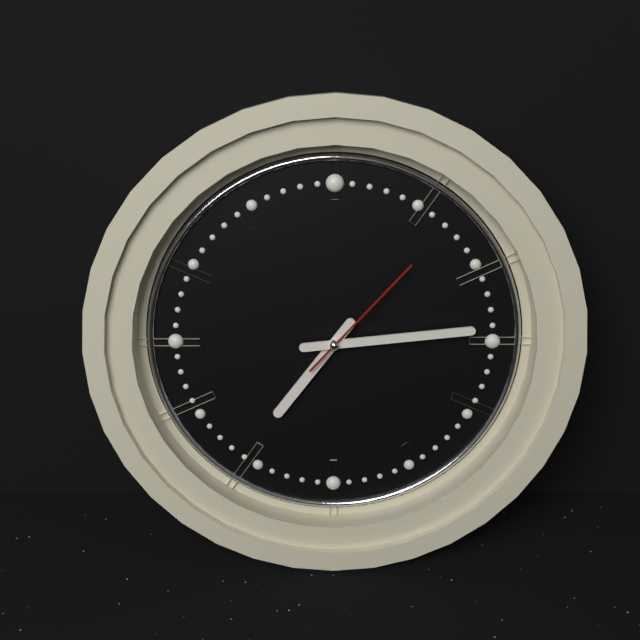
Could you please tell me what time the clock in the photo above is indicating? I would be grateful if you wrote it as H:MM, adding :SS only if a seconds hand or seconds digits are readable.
7:14:07
